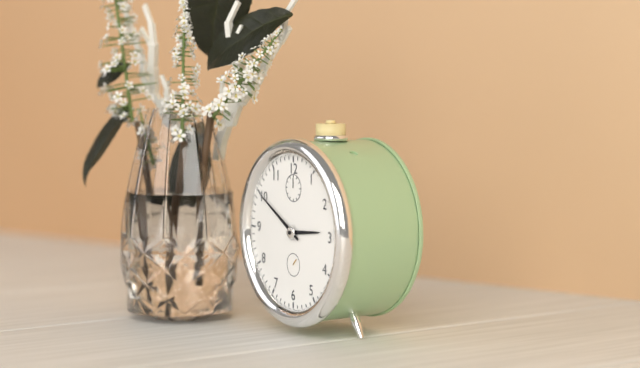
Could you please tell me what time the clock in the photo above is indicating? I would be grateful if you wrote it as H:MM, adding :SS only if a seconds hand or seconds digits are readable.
2:50
